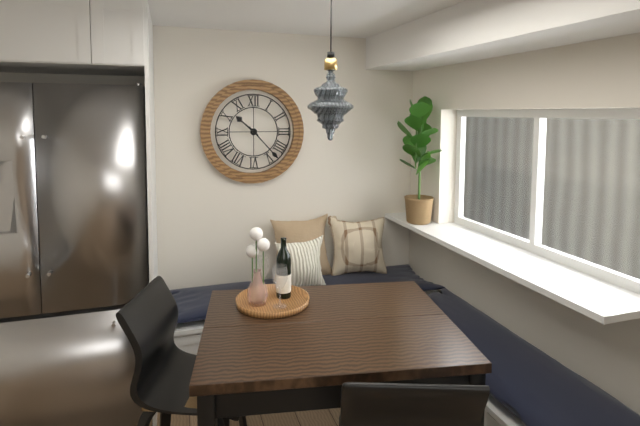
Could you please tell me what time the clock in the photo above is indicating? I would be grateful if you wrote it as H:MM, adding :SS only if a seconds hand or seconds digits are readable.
10:23
